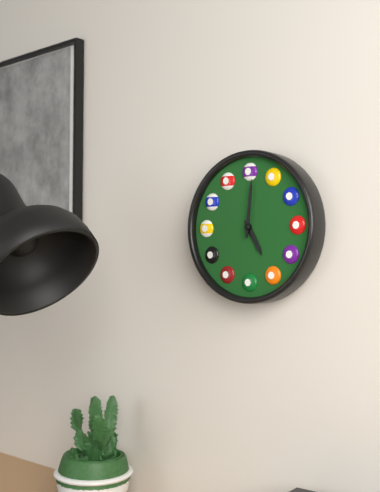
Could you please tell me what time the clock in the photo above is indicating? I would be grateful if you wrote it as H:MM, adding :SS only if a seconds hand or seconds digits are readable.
5:01
